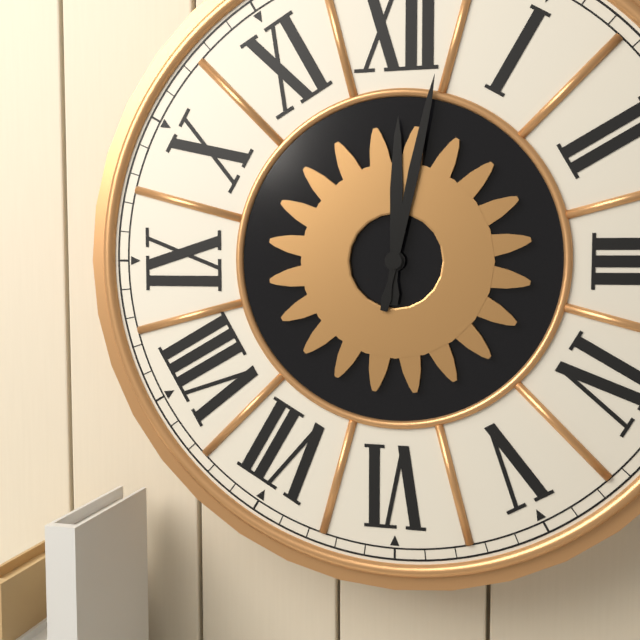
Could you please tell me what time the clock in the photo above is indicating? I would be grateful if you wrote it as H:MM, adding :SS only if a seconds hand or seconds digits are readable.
12:02
